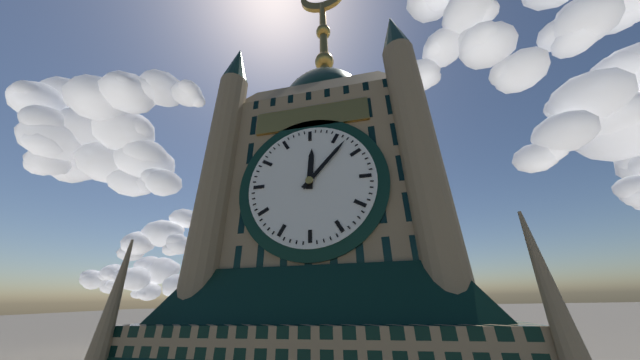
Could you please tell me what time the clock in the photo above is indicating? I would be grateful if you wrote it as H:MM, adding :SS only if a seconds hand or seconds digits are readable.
12:07
